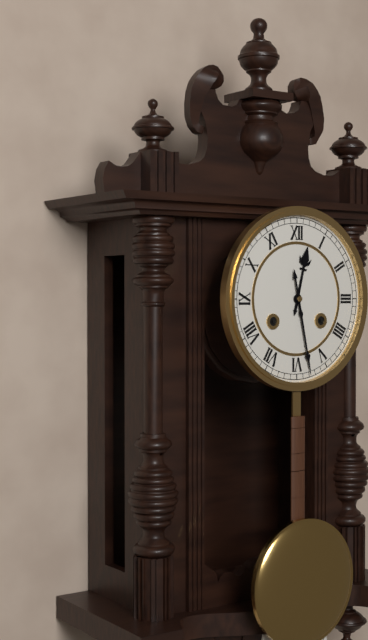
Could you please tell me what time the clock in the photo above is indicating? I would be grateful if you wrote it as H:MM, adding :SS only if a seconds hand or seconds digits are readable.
12:28
